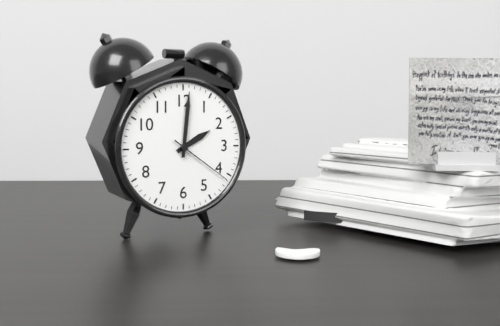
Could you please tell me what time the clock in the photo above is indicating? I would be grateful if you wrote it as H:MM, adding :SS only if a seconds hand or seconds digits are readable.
2:01:21
